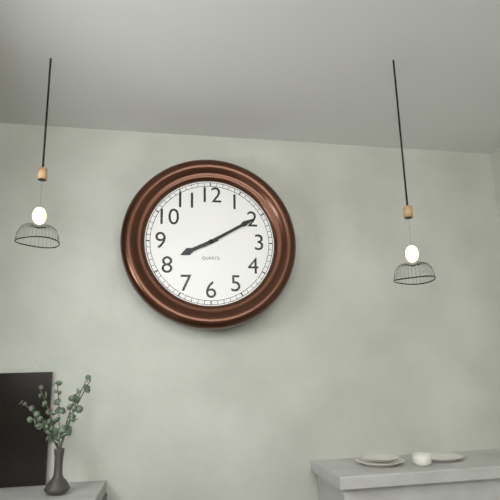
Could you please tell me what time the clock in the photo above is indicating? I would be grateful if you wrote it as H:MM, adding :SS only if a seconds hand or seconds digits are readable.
8:10
